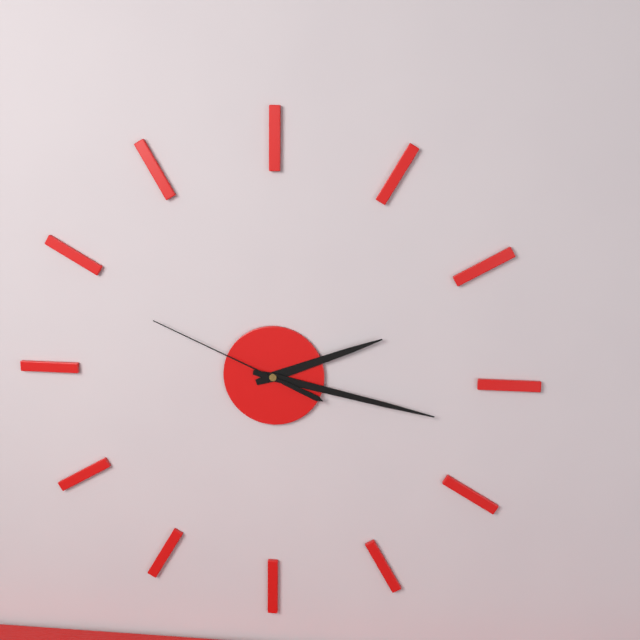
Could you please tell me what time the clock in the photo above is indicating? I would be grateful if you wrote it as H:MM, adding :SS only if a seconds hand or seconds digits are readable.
2:17:49
